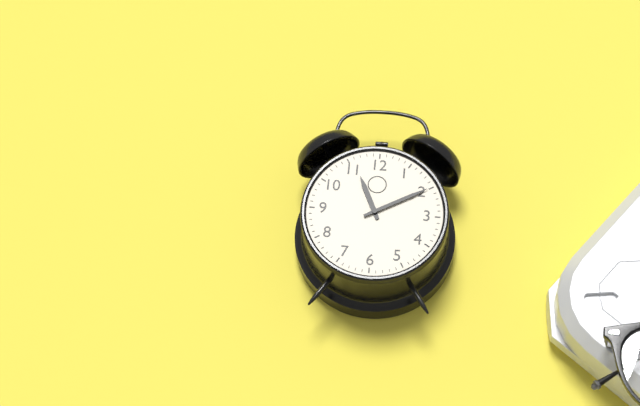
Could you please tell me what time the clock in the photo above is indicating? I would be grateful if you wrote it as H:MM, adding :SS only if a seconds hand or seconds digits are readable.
11:10
